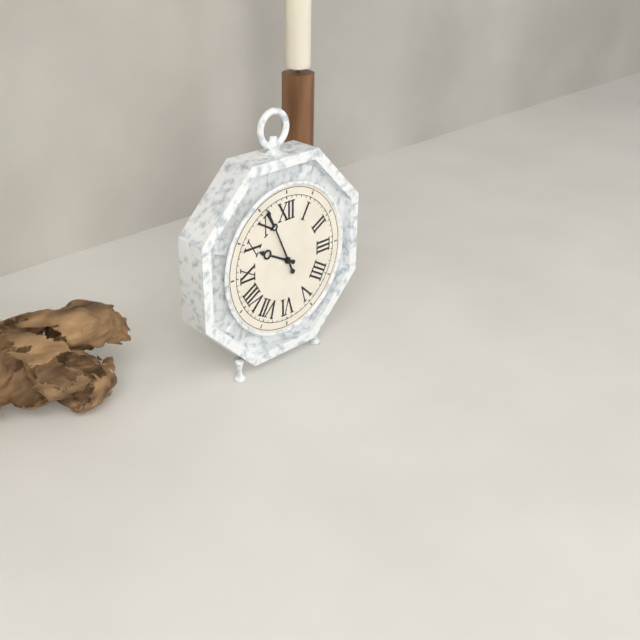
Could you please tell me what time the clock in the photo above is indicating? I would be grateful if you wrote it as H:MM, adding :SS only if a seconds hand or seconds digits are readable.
9:56
